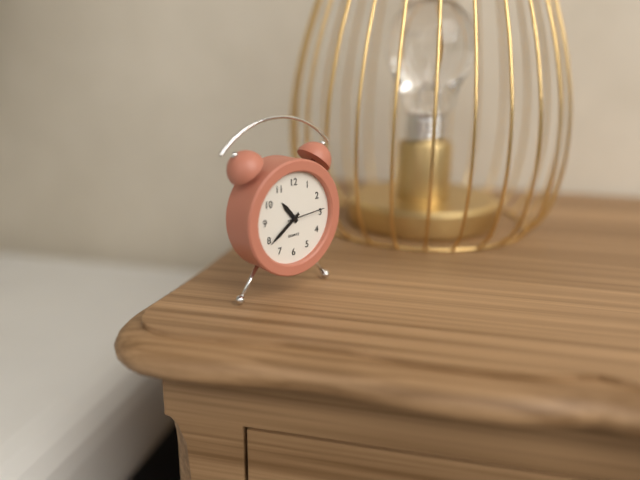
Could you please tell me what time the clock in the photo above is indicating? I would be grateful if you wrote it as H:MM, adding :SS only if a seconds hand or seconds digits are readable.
10:39
